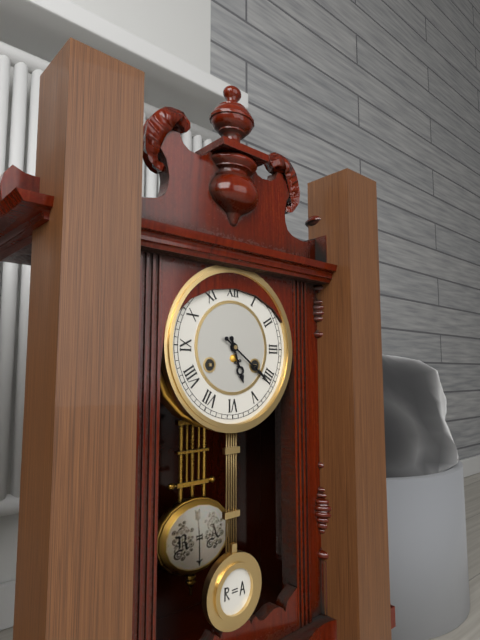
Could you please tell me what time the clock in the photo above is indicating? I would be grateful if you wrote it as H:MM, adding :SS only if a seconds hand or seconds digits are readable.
5:21
